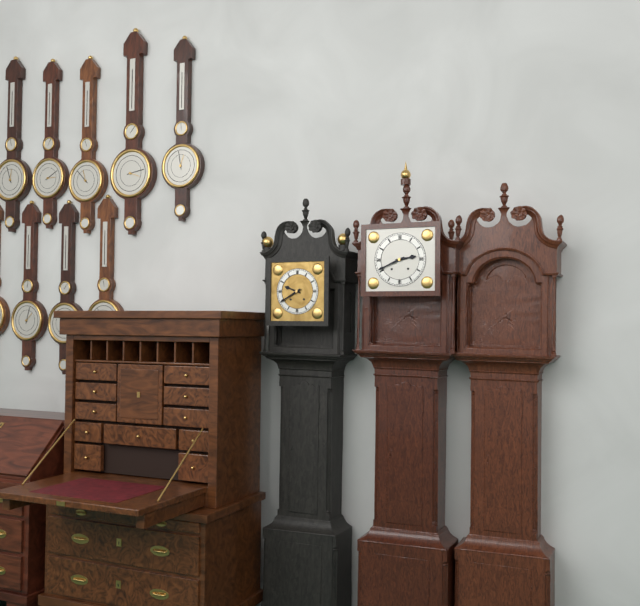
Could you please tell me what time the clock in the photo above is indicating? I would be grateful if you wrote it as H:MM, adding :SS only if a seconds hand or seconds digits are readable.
2:41
